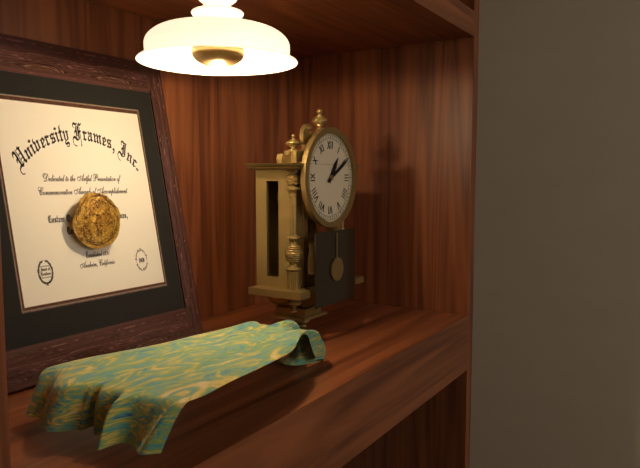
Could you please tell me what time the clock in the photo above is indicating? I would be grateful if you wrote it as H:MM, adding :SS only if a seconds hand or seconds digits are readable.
1:10
